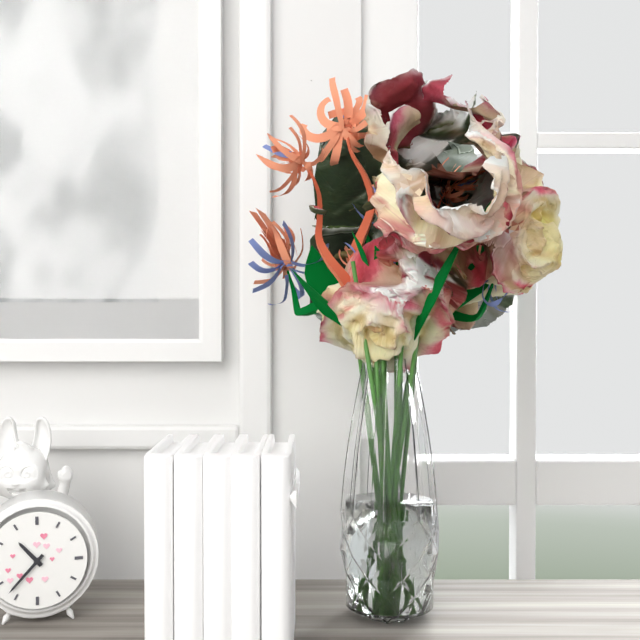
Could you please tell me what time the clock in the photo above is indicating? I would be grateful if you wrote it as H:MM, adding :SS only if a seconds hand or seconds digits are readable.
10:37
